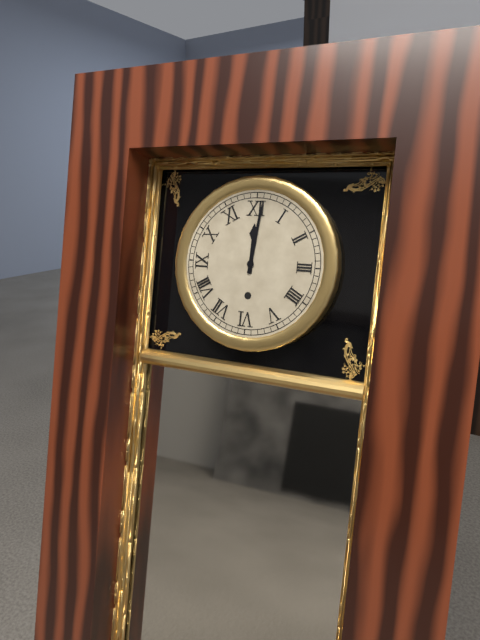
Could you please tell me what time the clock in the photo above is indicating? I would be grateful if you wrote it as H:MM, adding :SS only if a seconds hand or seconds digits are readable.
12:01
